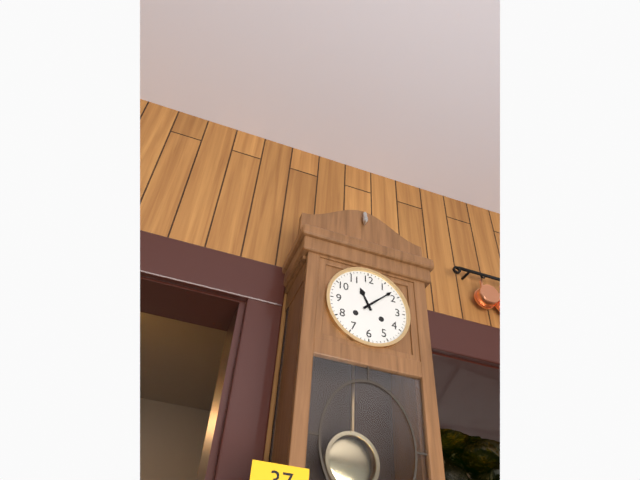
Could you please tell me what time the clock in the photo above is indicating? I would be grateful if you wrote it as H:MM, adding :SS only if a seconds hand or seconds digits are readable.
11:08
